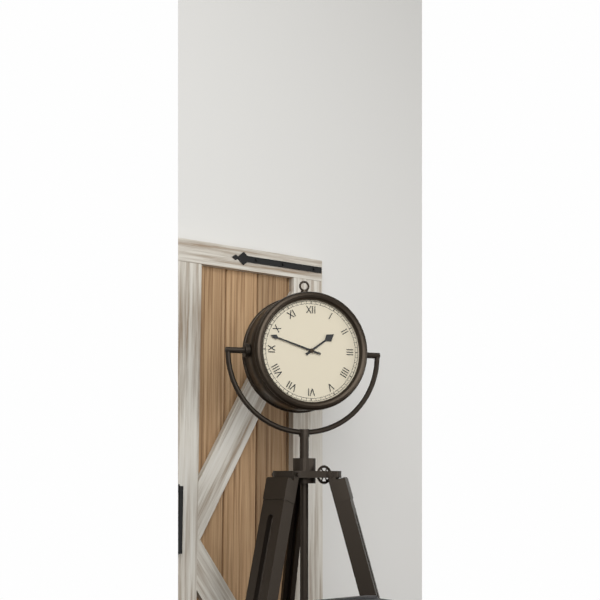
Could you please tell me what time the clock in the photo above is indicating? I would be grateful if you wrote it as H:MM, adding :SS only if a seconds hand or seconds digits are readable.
1:48
